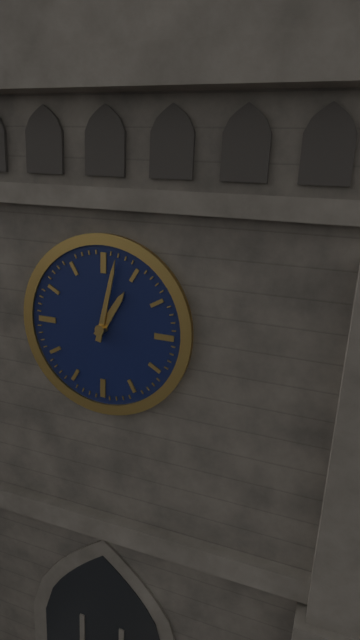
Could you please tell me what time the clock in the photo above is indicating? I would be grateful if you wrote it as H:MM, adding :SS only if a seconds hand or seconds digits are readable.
1:02
